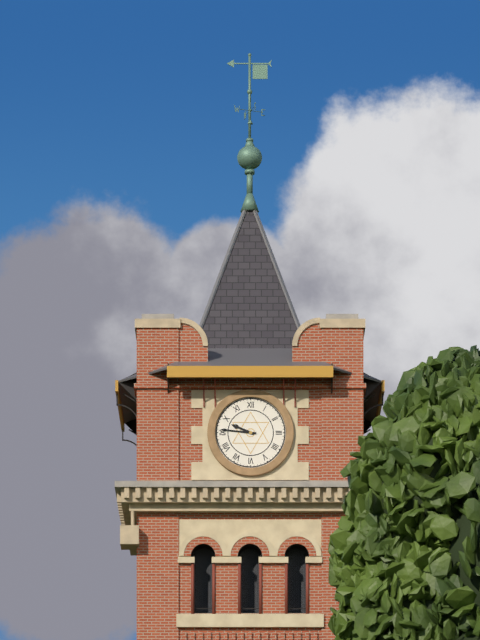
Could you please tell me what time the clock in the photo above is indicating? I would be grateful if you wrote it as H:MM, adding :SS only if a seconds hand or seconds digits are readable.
9:46
